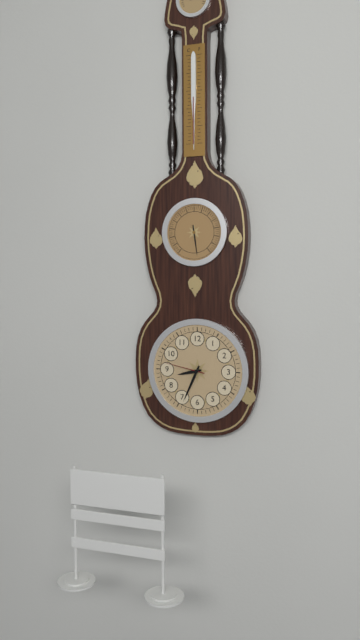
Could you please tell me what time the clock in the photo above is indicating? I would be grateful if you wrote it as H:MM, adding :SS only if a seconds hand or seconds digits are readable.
8:34
